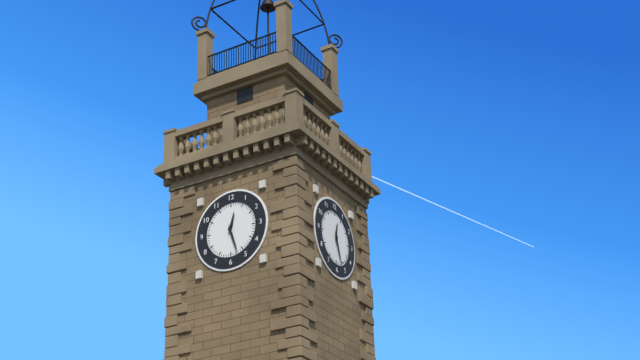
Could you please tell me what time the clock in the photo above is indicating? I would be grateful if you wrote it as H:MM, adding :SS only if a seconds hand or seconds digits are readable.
12:27
